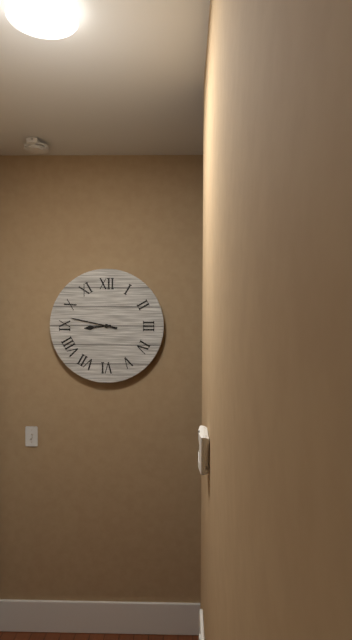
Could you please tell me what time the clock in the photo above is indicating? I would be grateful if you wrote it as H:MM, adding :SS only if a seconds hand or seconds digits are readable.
8:47
